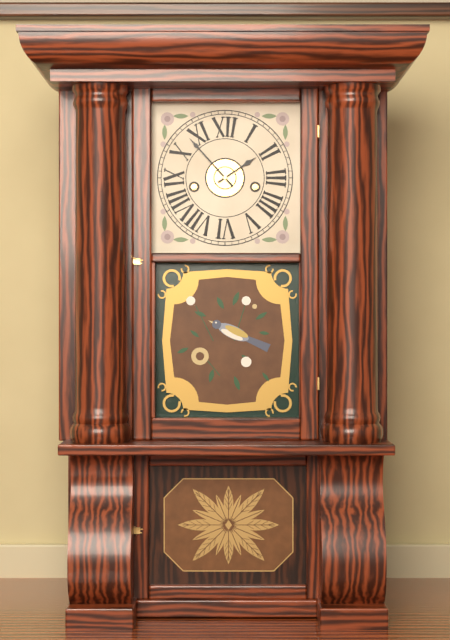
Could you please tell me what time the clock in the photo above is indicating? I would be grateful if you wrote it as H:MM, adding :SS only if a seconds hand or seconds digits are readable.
1:53
